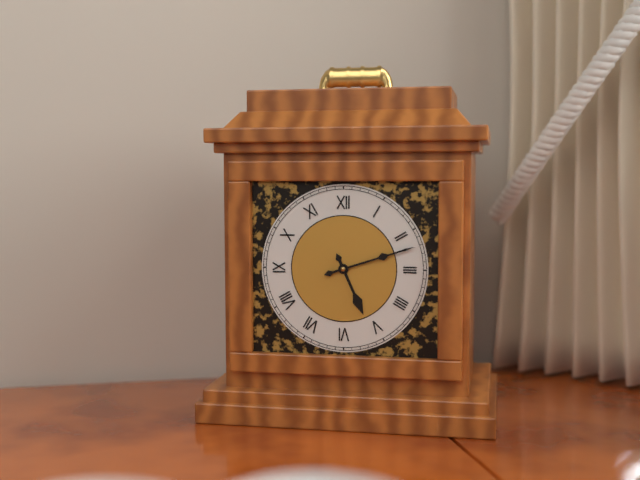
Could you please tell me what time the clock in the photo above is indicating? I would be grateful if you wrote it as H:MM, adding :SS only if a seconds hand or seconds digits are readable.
5:12
